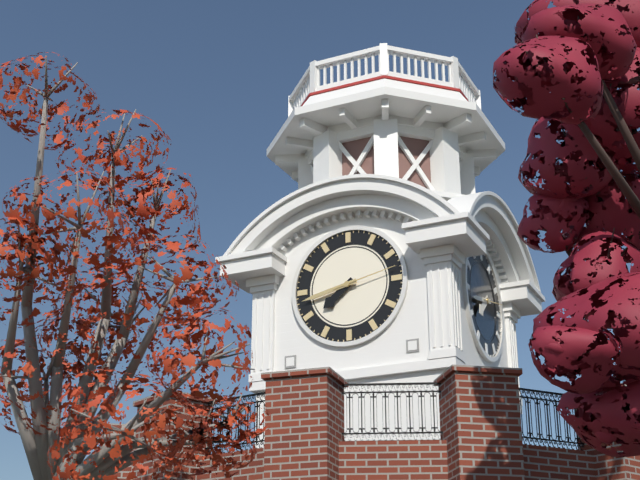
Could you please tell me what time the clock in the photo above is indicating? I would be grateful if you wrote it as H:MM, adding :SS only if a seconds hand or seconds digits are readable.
7:43:13
